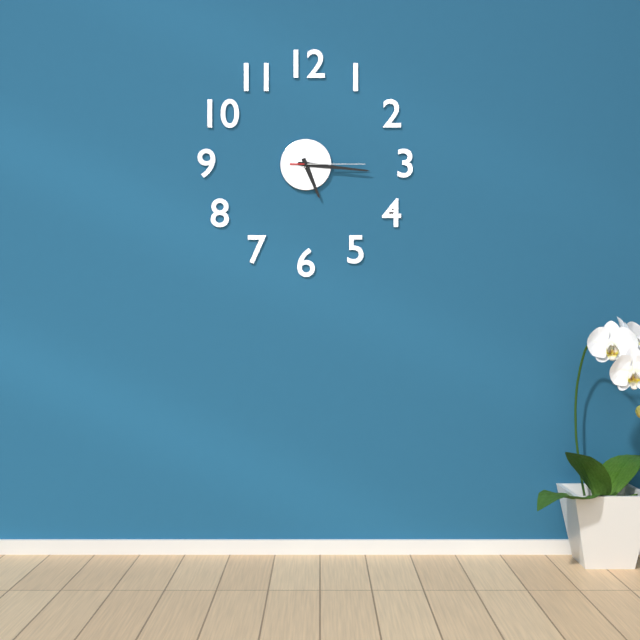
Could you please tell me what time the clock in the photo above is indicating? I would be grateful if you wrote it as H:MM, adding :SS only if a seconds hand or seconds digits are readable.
5:16:15
